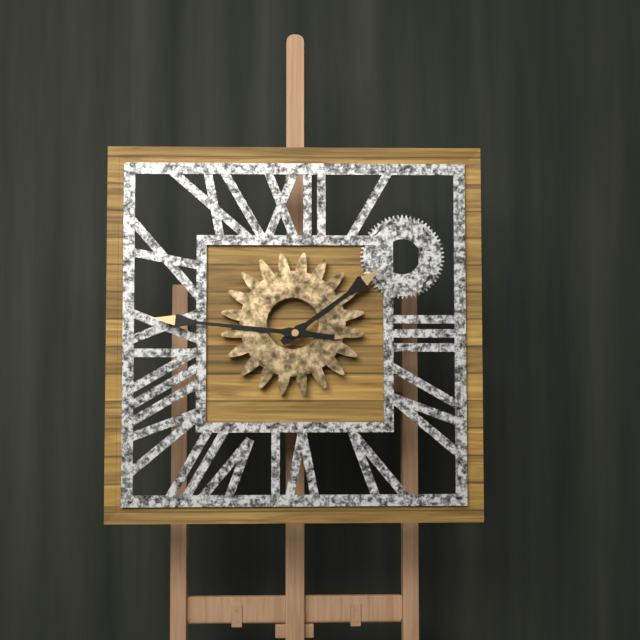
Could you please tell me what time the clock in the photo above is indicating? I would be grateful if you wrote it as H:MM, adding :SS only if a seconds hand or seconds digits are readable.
1:46
